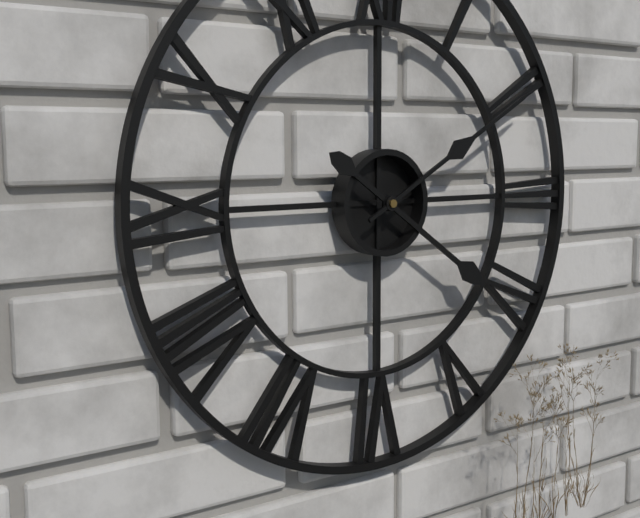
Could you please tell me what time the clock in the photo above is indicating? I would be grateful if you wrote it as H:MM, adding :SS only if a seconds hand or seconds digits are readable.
4:10
